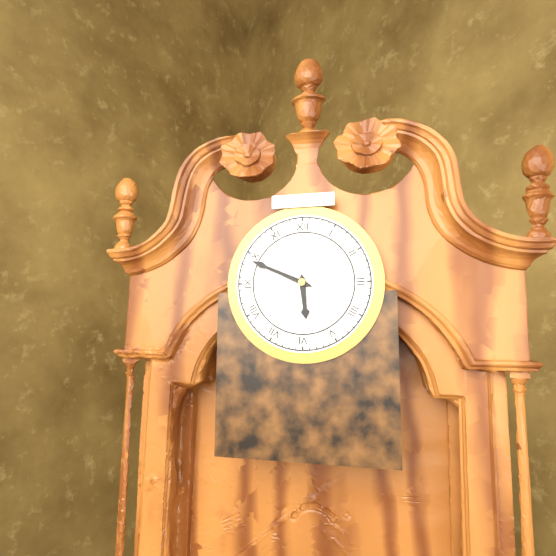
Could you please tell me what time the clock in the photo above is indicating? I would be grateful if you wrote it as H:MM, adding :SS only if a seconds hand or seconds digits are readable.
5:49
